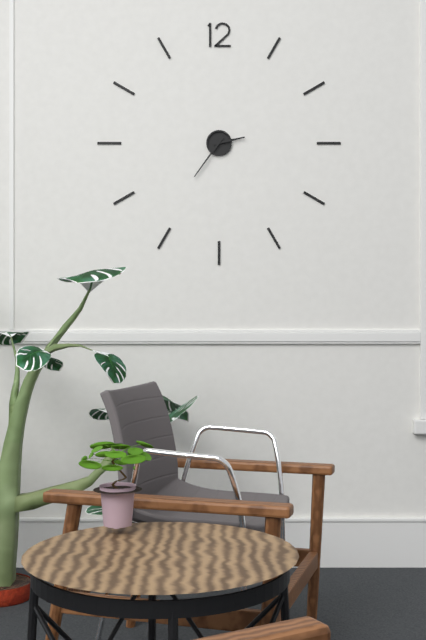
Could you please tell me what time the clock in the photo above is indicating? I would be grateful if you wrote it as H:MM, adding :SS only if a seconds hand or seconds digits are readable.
2:36
